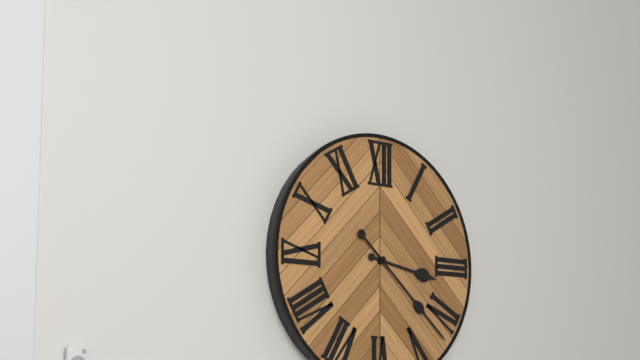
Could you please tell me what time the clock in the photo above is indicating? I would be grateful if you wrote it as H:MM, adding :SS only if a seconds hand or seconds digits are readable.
3:22
